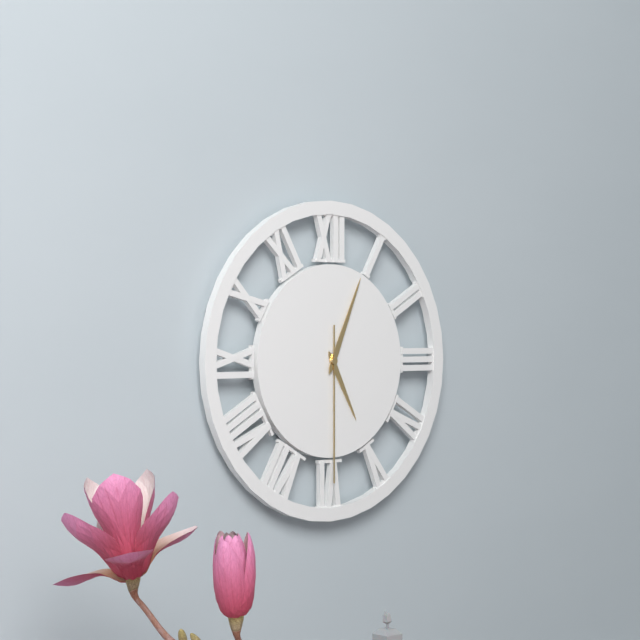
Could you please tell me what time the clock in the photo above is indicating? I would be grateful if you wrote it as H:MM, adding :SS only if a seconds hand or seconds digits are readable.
5:04:30
